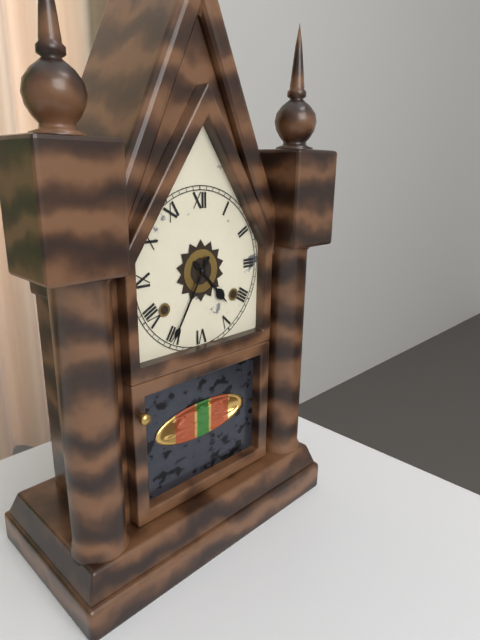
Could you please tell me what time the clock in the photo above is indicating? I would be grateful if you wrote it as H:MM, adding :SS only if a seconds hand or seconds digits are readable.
4:35
